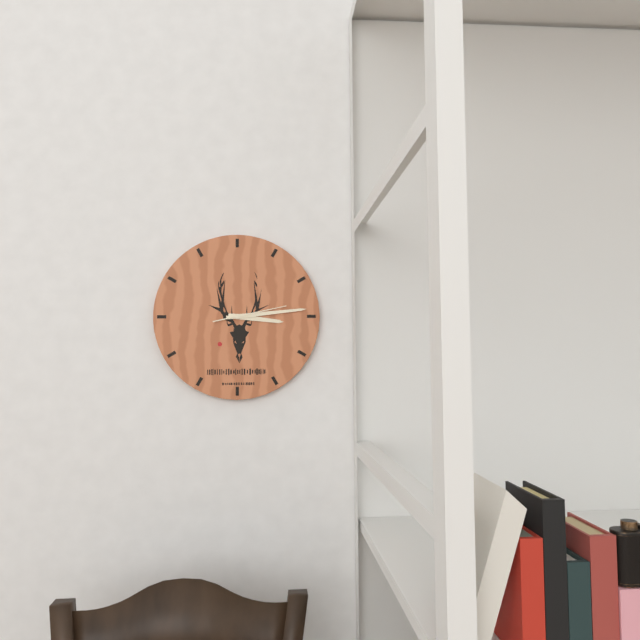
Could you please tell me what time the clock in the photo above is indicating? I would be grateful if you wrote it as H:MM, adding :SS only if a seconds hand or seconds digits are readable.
3:14:13
